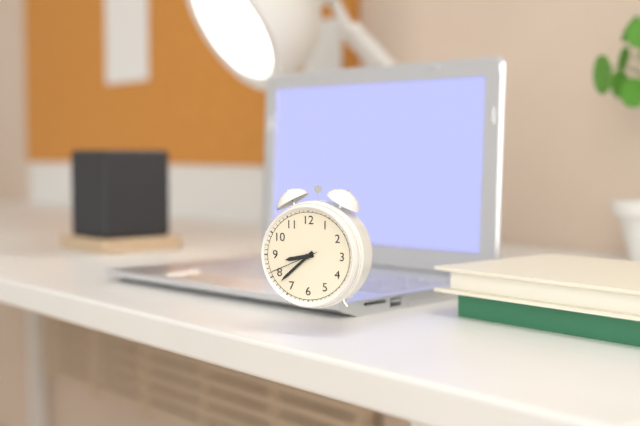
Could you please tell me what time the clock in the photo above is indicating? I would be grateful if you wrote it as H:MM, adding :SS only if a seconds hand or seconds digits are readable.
8:38:41
